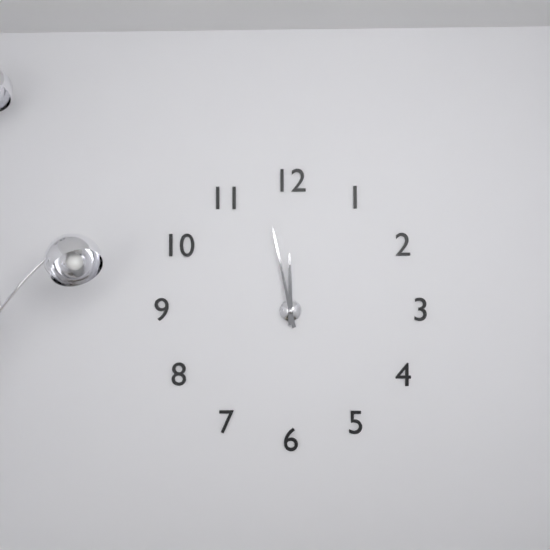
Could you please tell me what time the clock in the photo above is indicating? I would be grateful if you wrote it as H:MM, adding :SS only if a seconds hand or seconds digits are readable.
11:58
